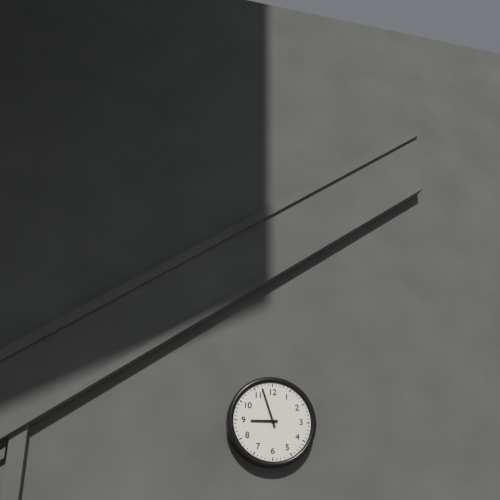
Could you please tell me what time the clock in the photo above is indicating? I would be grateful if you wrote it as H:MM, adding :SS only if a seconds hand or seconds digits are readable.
8:57
